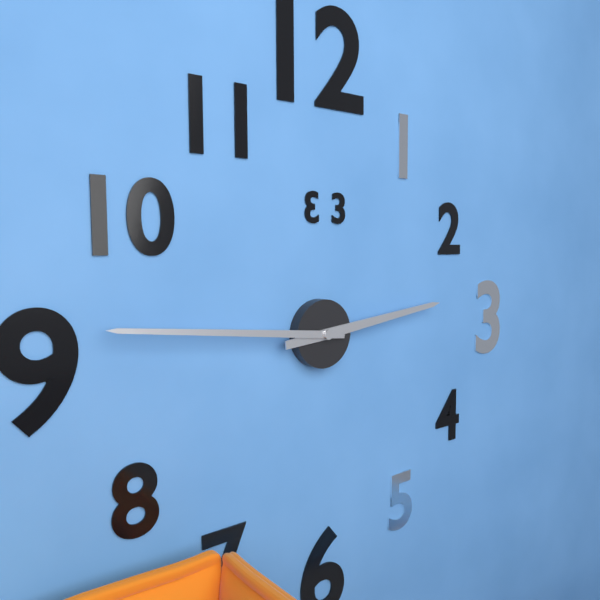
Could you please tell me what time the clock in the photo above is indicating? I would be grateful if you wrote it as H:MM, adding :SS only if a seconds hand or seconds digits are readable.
2:46
